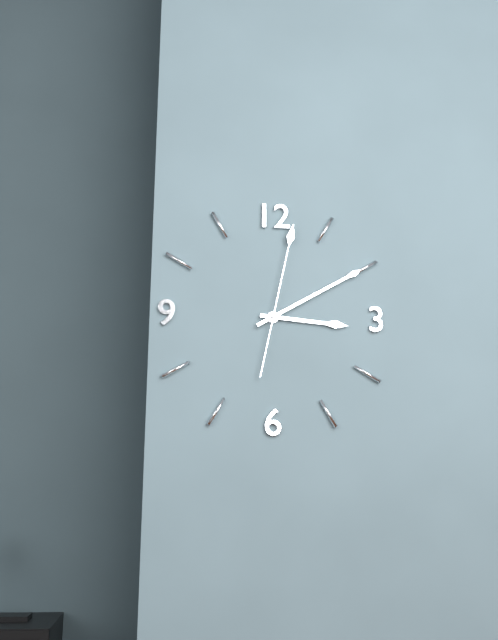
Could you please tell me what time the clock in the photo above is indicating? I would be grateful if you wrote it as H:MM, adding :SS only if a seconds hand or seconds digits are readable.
3:10:02
